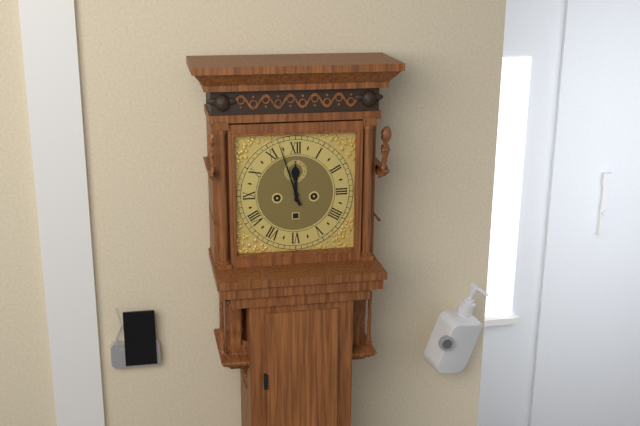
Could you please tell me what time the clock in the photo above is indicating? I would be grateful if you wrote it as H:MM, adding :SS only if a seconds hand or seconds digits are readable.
11:57
